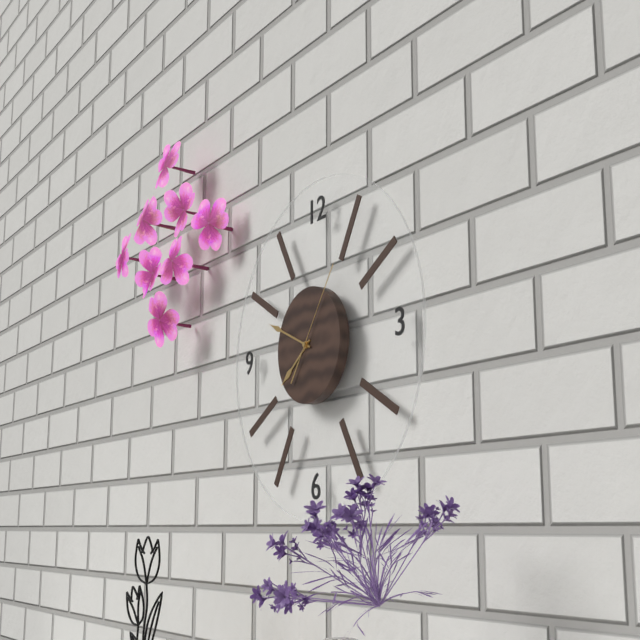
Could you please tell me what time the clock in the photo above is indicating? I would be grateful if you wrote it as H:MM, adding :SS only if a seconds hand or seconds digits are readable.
7:49:06
